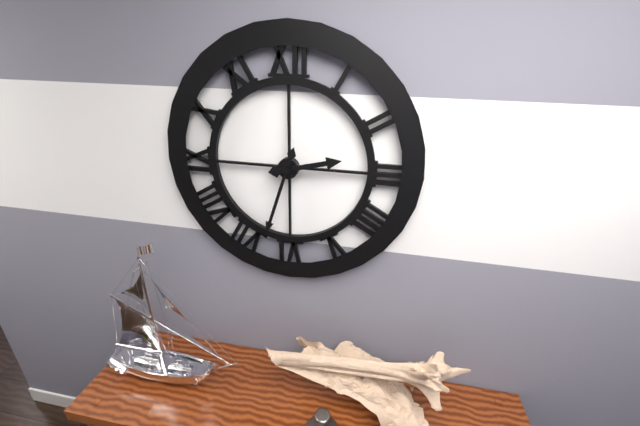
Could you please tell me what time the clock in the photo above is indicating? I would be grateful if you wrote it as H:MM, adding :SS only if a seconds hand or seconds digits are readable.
2:33
